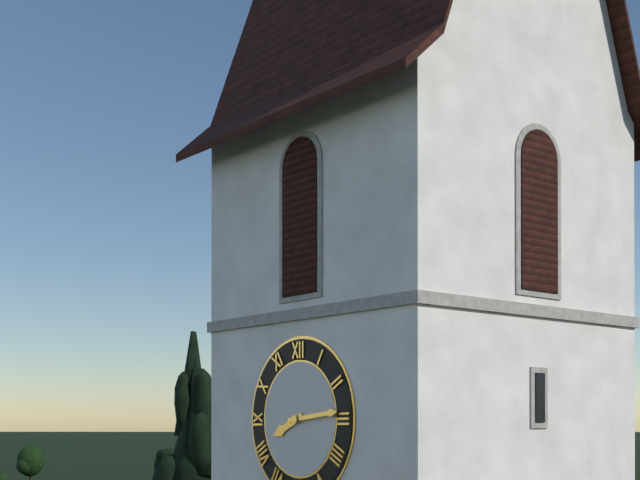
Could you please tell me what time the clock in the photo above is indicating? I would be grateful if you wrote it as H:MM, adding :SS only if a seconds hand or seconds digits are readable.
8:14
